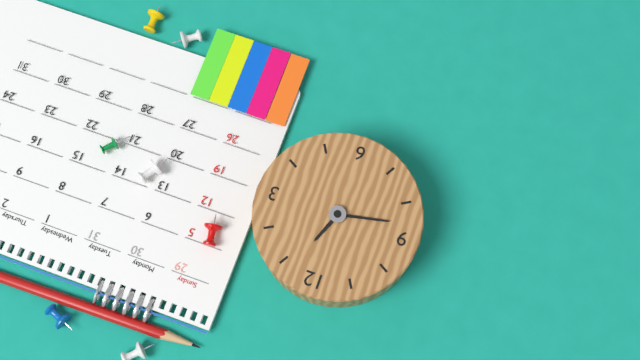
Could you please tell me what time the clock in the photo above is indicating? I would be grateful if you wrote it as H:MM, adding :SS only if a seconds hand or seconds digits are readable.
12:43
